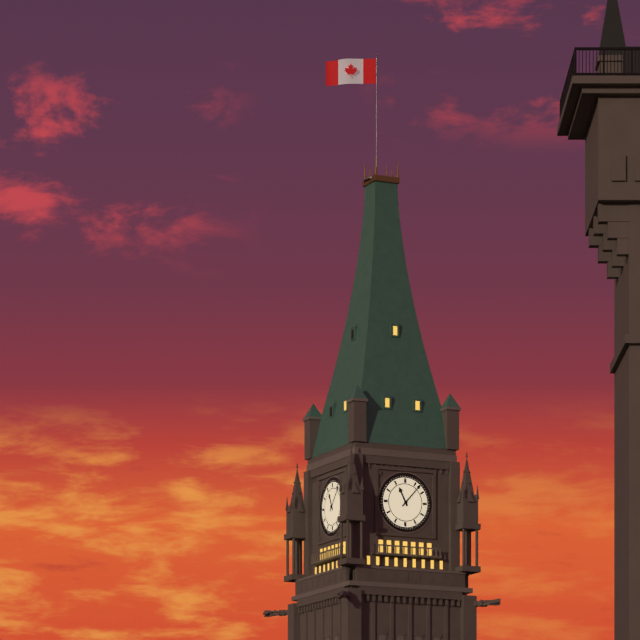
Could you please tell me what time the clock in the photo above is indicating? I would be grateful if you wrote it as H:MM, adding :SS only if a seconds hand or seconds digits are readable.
11:07
